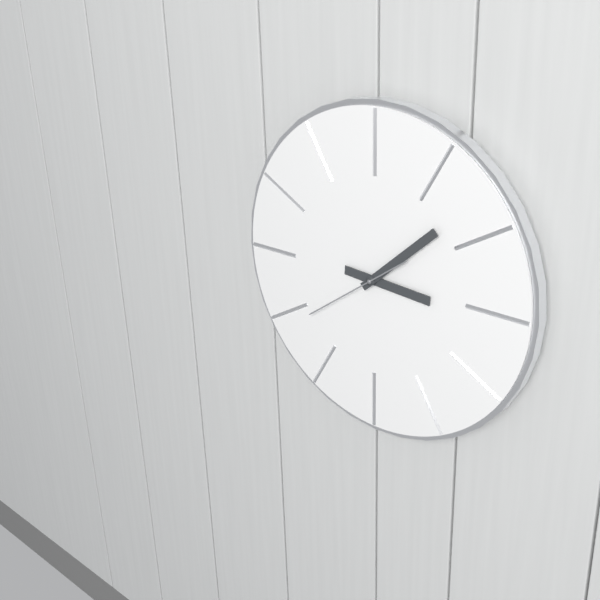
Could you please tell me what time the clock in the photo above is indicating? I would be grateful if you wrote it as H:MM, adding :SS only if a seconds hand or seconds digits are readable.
3:08:39
